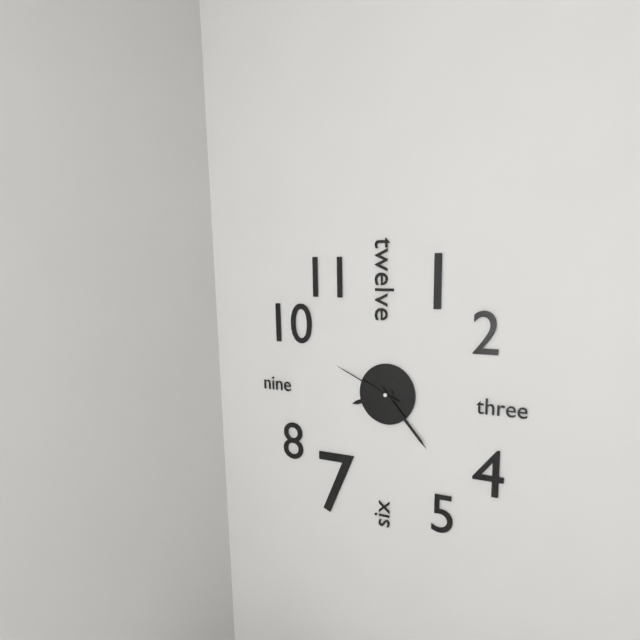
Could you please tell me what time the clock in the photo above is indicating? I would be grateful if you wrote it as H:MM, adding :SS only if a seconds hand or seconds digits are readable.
8:23:49
